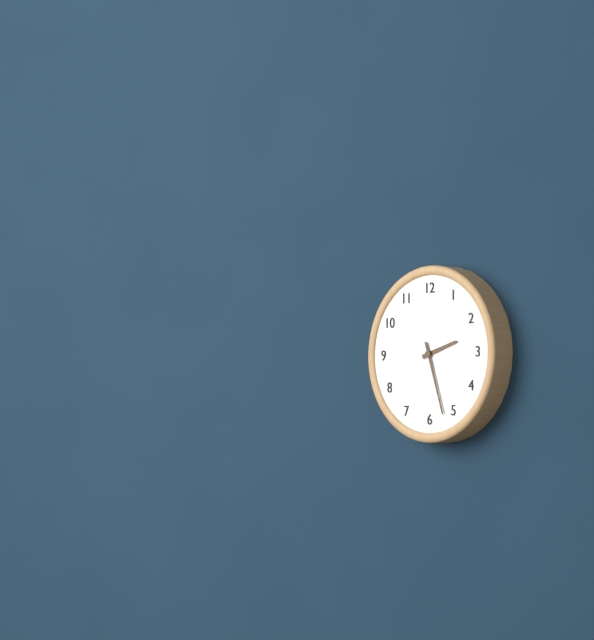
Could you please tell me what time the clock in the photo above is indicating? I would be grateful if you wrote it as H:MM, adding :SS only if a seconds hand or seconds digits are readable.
2:27
